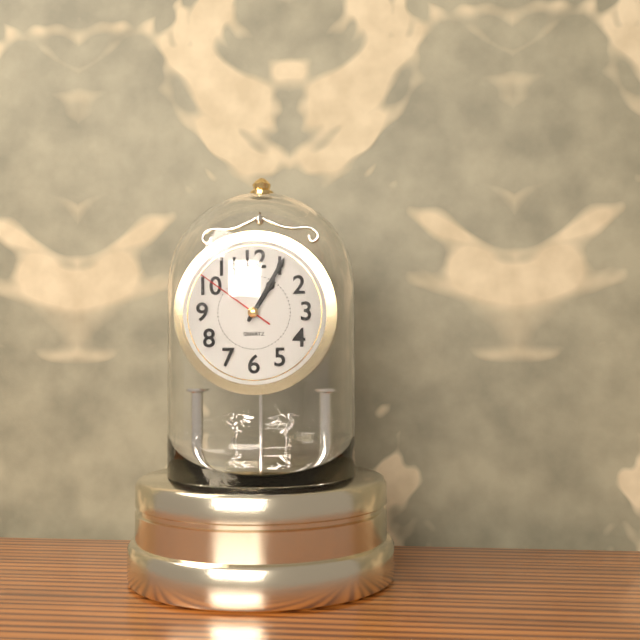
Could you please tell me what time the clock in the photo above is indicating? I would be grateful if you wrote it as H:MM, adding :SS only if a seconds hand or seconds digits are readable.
1:05:51
